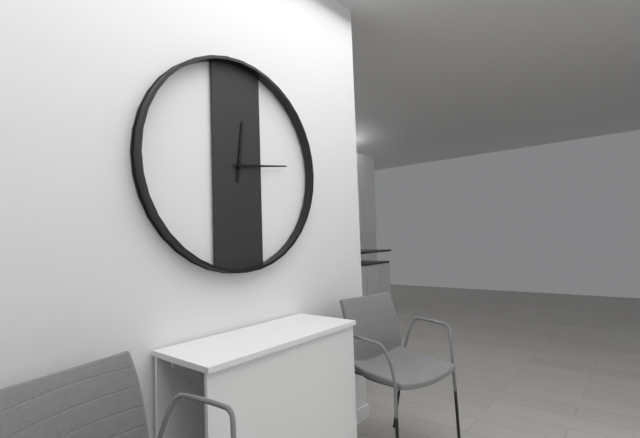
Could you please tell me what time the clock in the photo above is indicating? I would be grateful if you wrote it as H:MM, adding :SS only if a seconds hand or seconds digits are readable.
12:14
